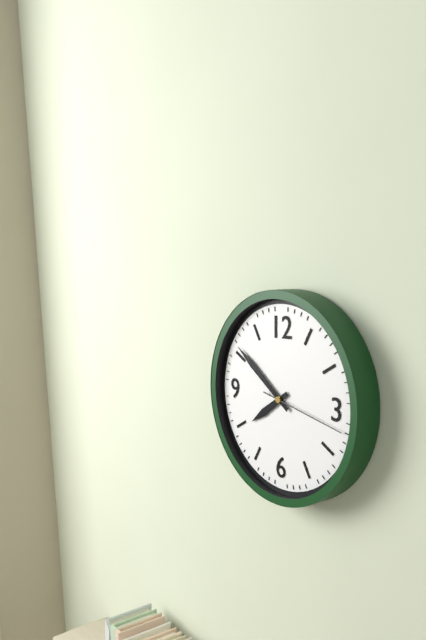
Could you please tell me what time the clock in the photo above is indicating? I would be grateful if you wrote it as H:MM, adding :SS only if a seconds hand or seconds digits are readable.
7:51:17
